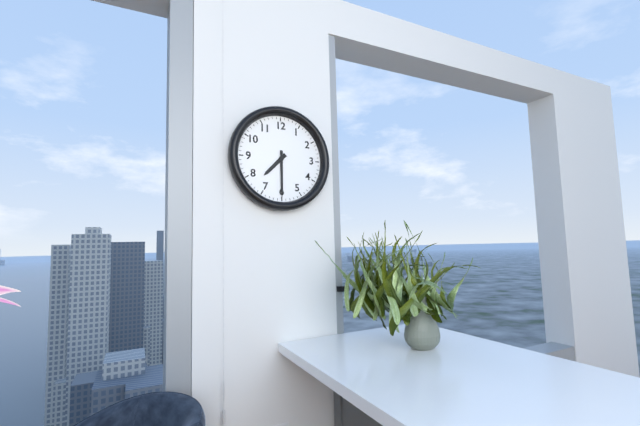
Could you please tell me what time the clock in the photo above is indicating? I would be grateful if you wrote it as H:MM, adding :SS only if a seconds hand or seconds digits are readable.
7:30
